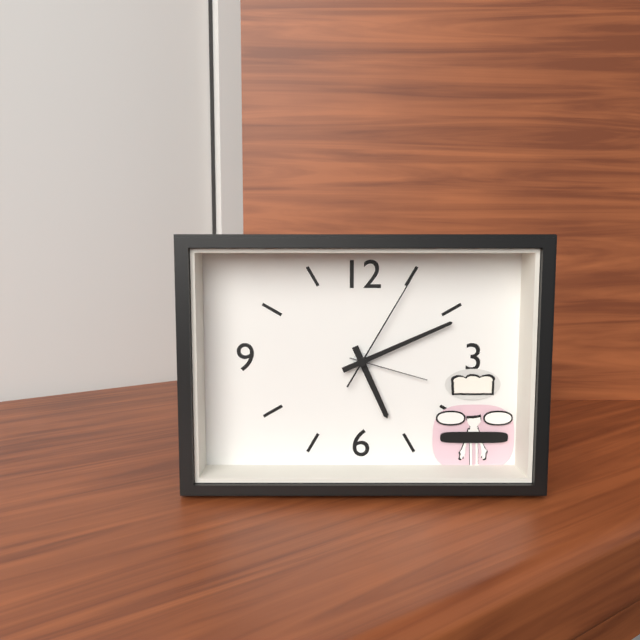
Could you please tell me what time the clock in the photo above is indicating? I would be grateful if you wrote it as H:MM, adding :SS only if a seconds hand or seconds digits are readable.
5:11:05
